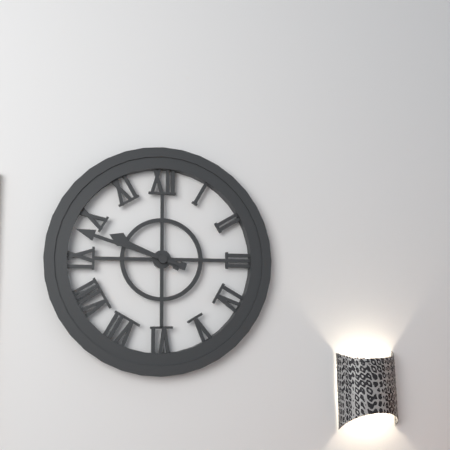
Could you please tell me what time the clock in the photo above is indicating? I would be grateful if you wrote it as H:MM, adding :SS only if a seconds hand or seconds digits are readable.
9:48
